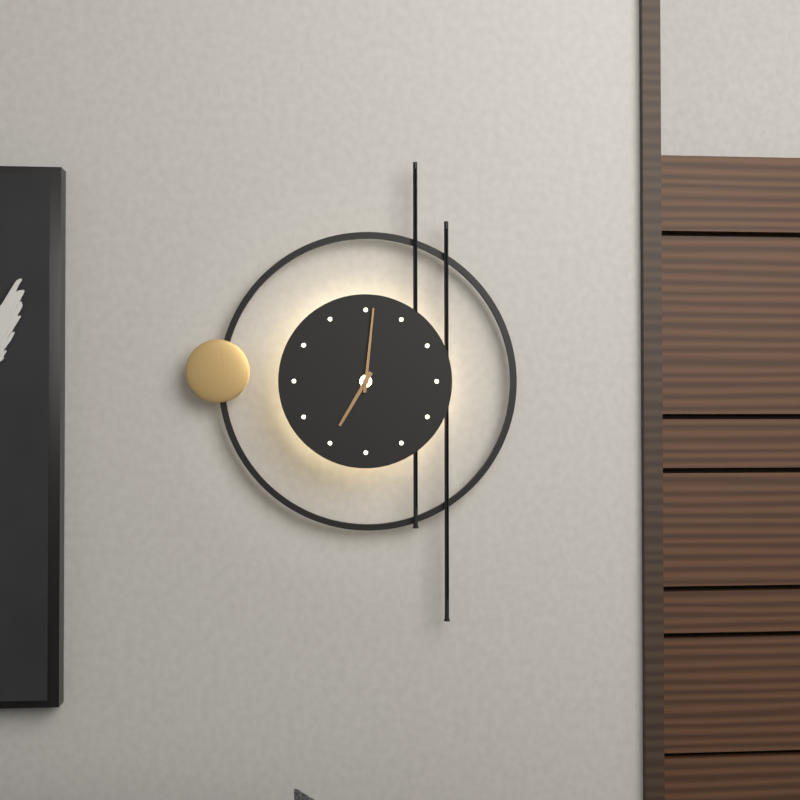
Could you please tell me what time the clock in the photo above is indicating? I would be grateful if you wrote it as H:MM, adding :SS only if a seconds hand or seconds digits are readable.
7:01
